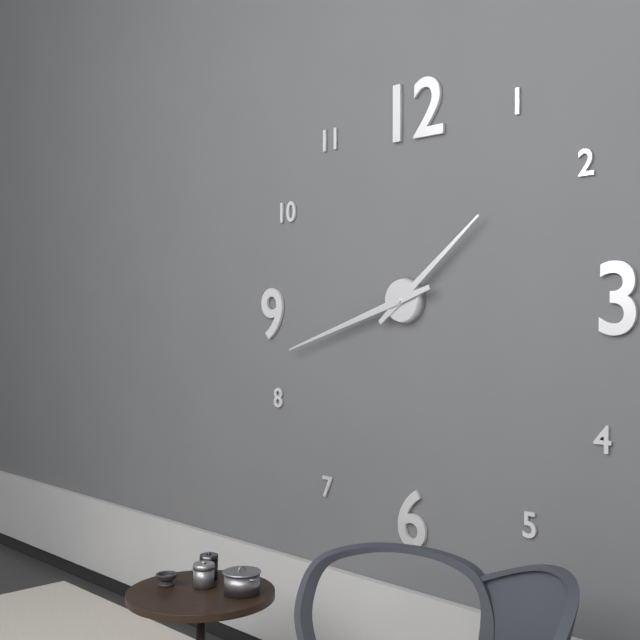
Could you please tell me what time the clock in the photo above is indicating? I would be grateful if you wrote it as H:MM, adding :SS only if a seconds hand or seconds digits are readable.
1:42
